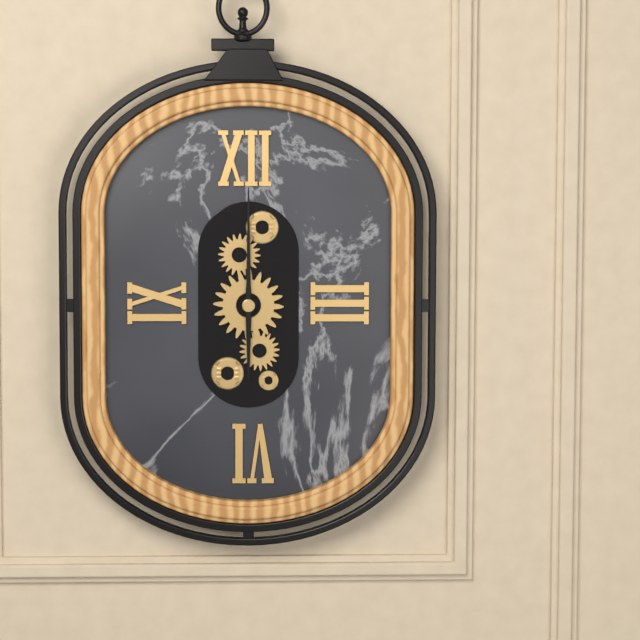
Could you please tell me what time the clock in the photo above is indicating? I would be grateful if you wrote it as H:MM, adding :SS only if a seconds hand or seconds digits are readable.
6:00
